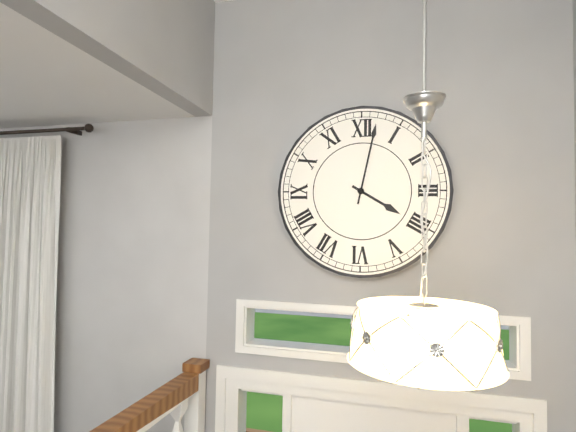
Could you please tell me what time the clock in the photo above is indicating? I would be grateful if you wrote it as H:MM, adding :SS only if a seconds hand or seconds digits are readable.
4:02
